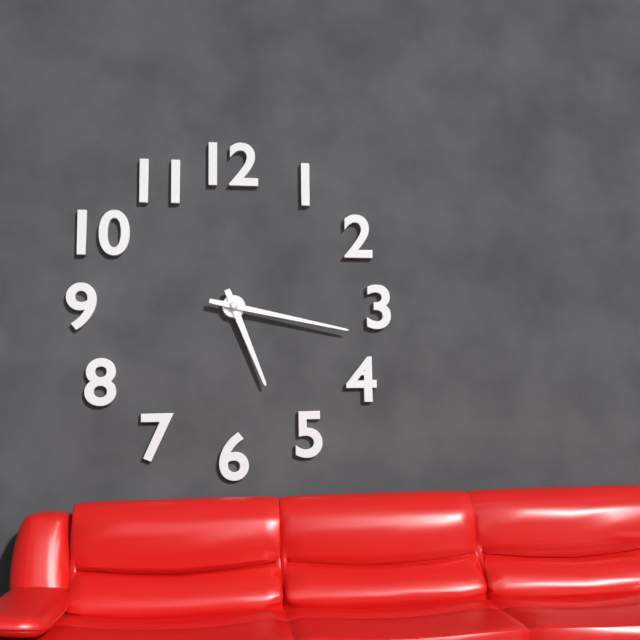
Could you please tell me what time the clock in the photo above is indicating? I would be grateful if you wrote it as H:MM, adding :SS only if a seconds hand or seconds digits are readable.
5:17
